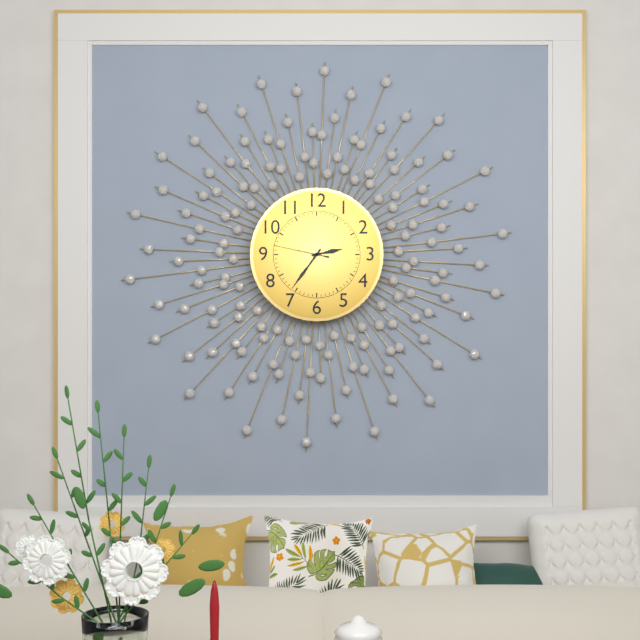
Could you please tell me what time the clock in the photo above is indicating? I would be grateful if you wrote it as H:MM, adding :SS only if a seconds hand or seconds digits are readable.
2:36:47
